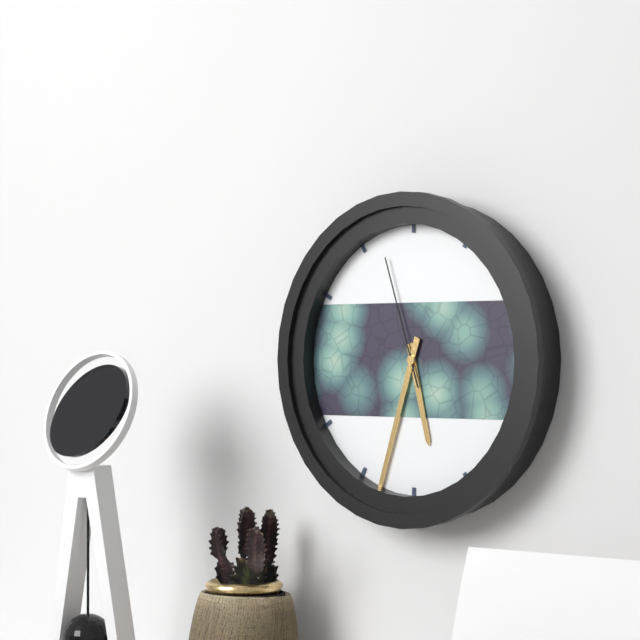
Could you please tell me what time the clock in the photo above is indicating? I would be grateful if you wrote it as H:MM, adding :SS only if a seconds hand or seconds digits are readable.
5:33:57
